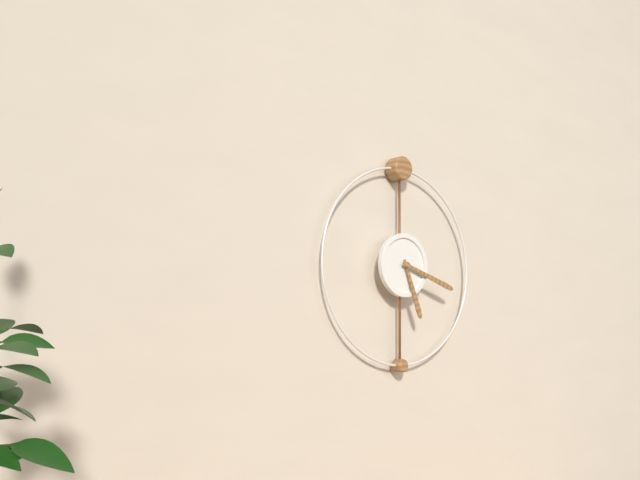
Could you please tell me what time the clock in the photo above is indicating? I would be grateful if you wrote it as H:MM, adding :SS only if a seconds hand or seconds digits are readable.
5:18
